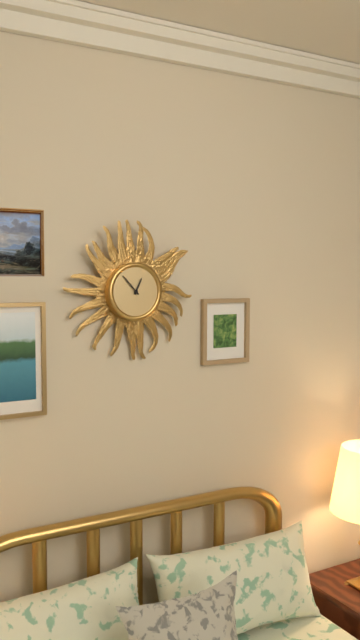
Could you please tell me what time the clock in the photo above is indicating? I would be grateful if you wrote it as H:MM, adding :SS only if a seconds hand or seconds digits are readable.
12:53
